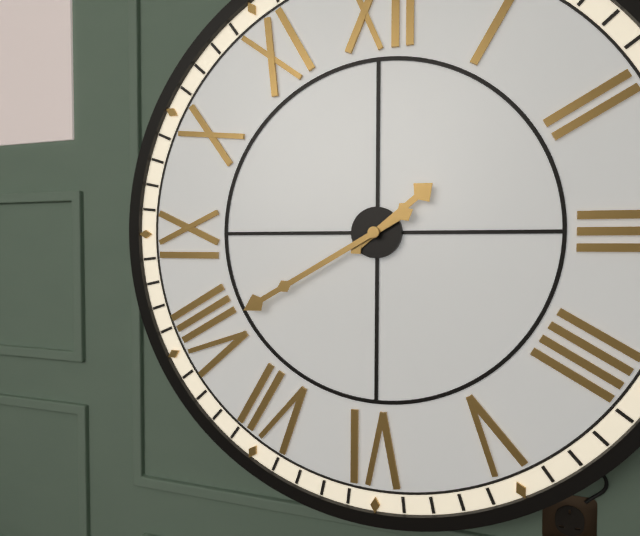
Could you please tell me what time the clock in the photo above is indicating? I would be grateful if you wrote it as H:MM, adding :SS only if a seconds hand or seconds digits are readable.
1:40
